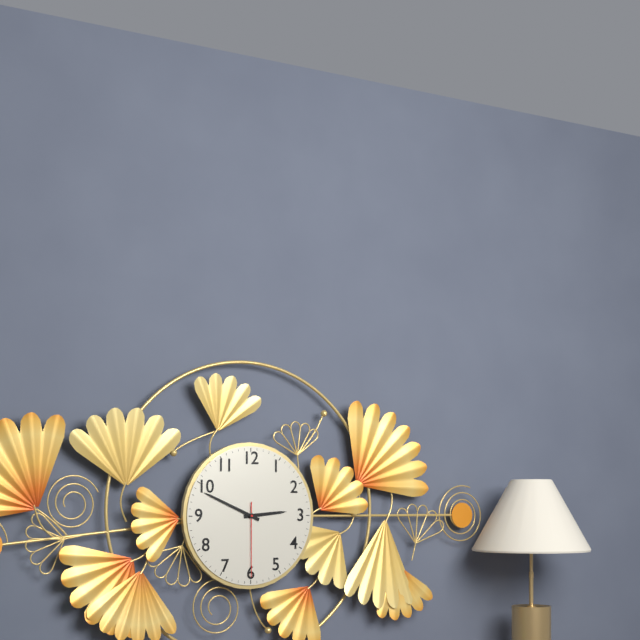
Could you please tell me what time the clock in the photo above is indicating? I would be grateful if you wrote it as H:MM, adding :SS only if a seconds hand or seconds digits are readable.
2:49:30
